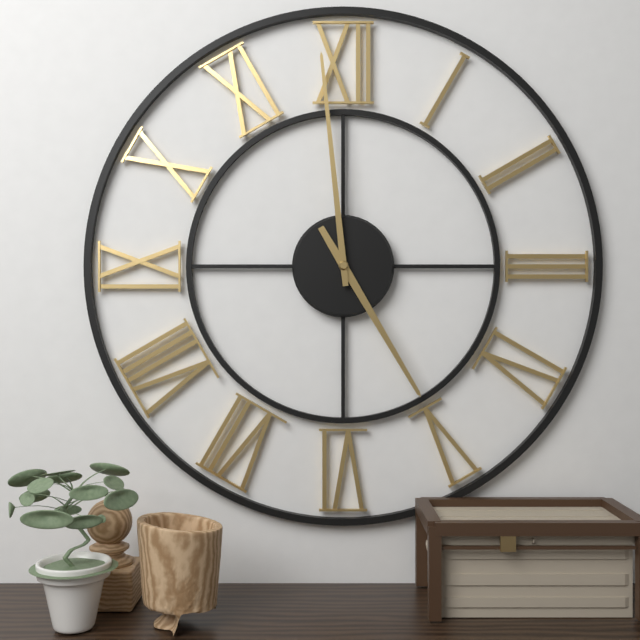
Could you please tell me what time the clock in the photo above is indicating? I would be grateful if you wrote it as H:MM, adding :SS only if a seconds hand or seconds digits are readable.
4:59
